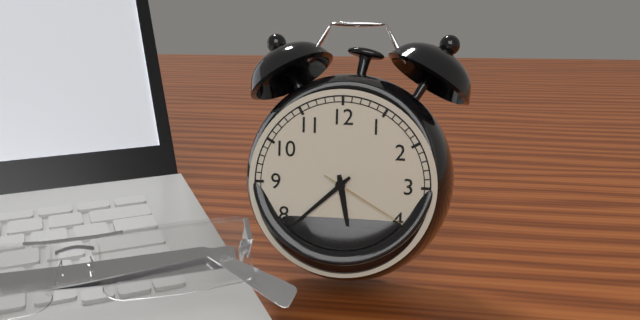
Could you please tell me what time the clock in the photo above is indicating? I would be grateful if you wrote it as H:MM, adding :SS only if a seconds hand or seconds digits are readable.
5:38:20
